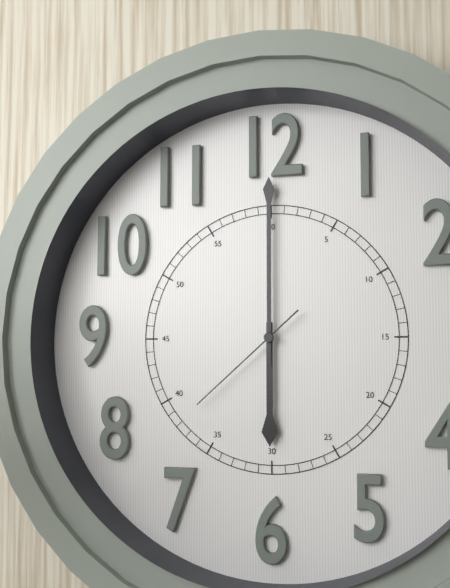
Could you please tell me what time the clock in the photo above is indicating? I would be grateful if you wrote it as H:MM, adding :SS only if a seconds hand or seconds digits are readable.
6:00:38
